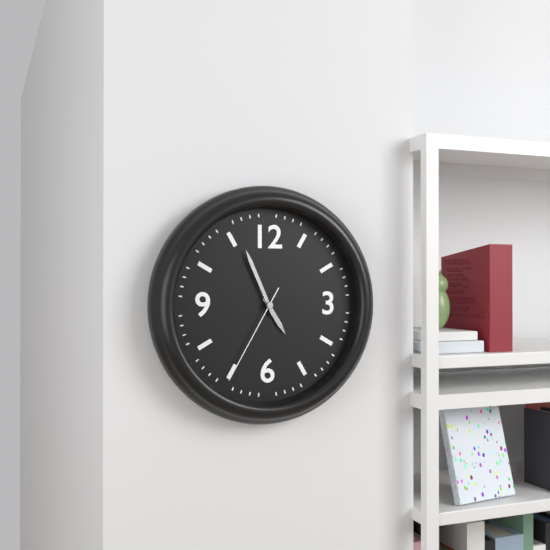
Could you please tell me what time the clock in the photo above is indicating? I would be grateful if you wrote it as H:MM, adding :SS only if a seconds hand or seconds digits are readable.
4:56:35
